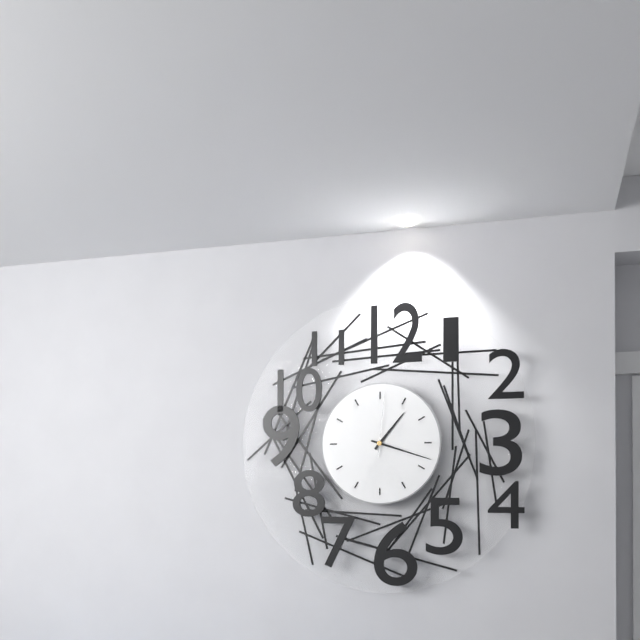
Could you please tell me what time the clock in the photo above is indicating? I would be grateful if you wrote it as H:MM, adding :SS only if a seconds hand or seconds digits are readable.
1:18:01
